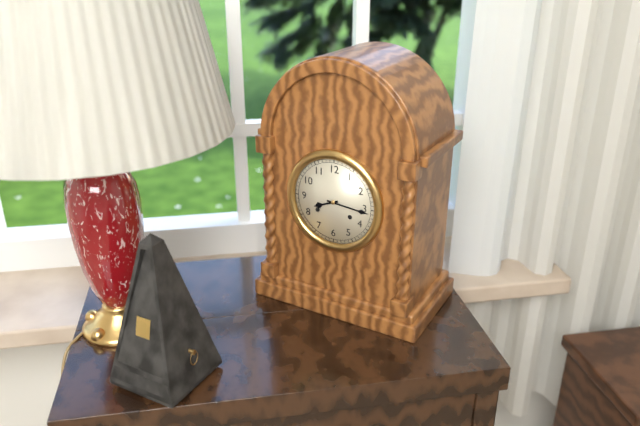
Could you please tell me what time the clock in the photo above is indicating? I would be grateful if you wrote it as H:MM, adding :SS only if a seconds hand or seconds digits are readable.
8:16
